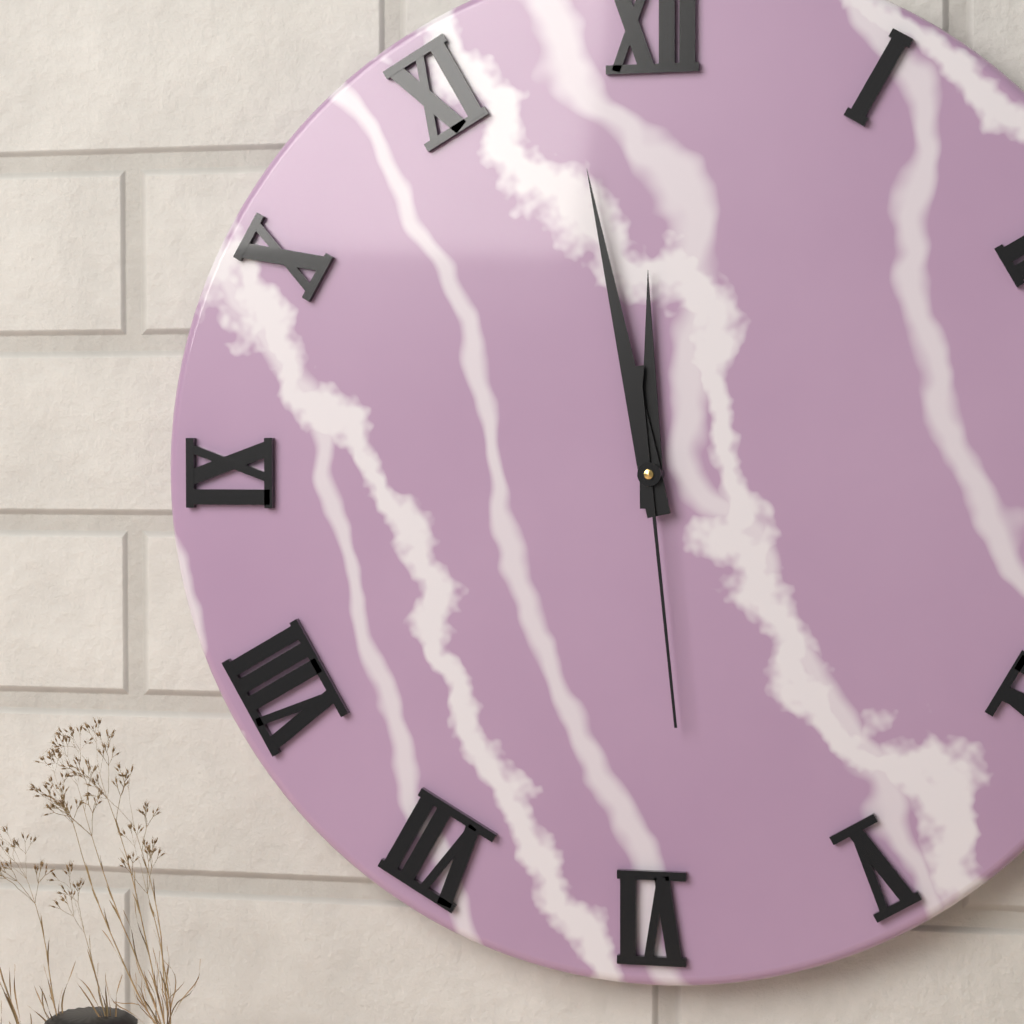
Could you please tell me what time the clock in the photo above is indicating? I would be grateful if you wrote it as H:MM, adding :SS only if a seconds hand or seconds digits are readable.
11:58:29
